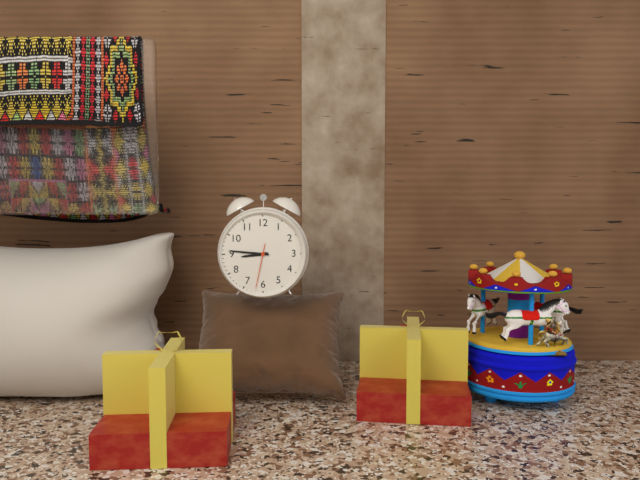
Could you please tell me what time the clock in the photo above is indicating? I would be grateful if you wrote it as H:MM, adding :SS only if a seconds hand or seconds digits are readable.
8:46
